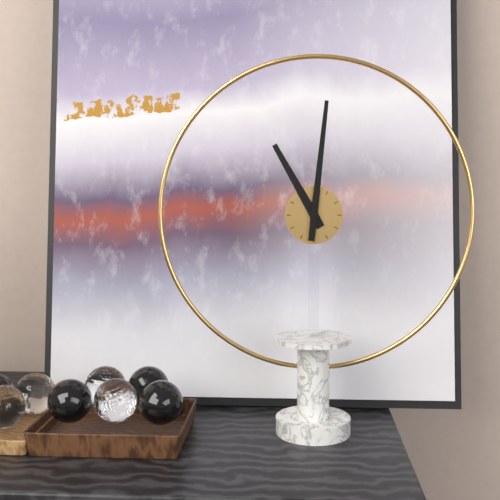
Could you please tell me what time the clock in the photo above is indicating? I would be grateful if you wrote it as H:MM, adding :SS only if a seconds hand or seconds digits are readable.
11:01
